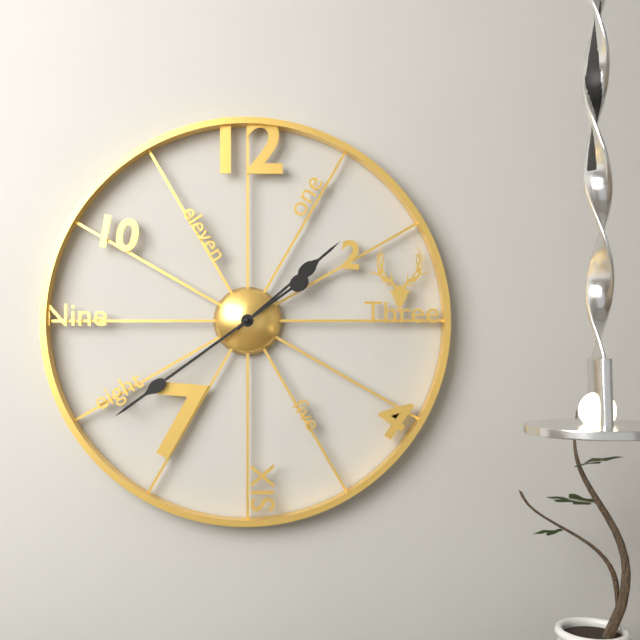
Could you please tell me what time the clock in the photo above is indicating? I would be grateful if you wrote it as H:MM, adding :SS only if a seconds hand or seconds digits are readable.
1:39
